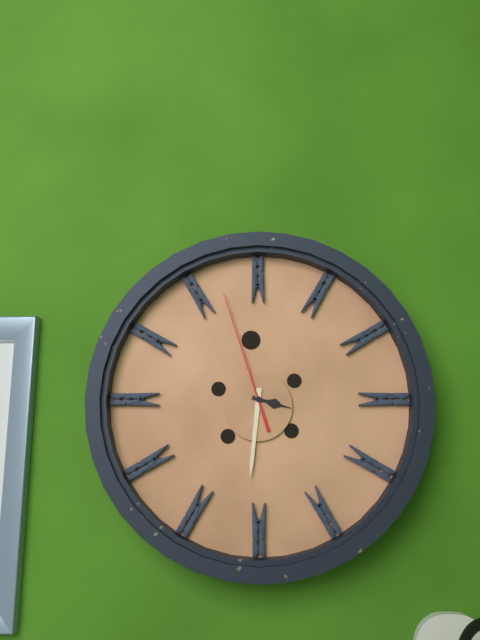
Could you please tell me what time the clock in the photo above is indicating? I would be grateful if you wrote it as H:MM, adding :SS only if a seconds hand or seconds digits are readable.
3:31:57
